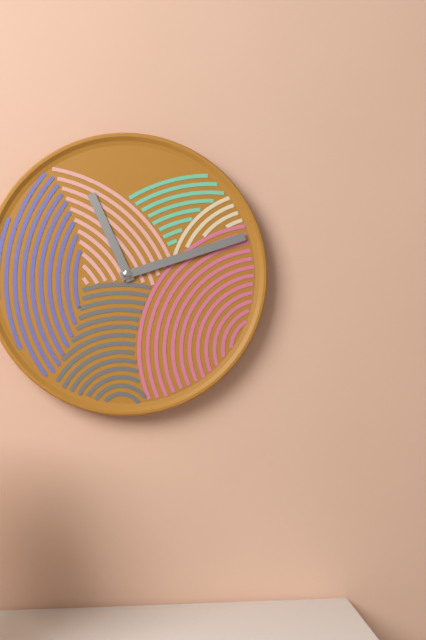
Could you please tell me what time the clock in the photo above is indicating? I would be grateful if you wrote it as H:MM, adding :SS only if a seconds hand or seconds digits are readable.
11:12
